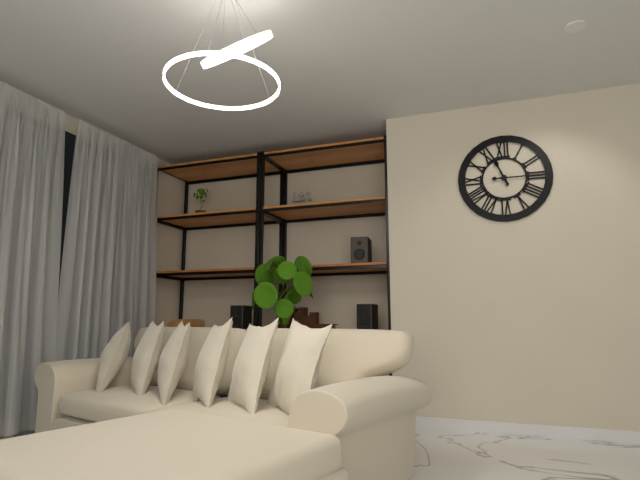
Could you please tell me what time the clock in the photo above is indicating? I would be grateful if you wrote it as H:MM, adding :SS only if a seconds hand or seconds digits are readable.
11:15
